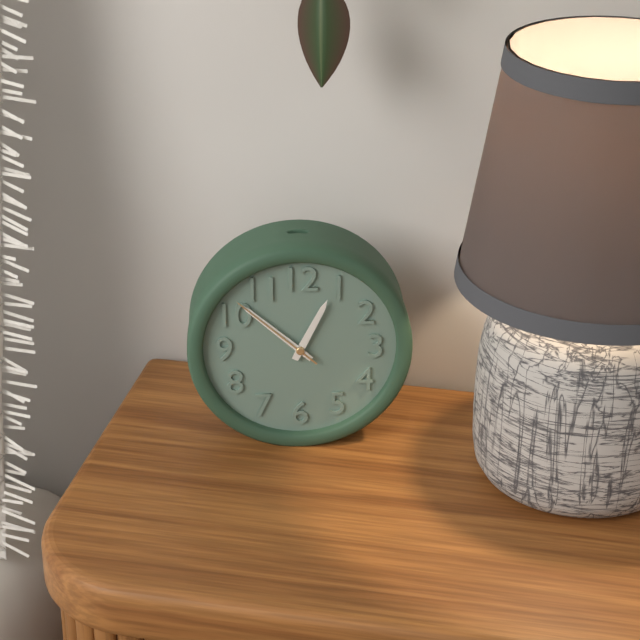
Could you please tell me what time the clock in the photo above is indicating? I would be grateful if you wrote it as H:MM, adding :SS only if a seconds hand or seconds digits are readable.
12:52:52
